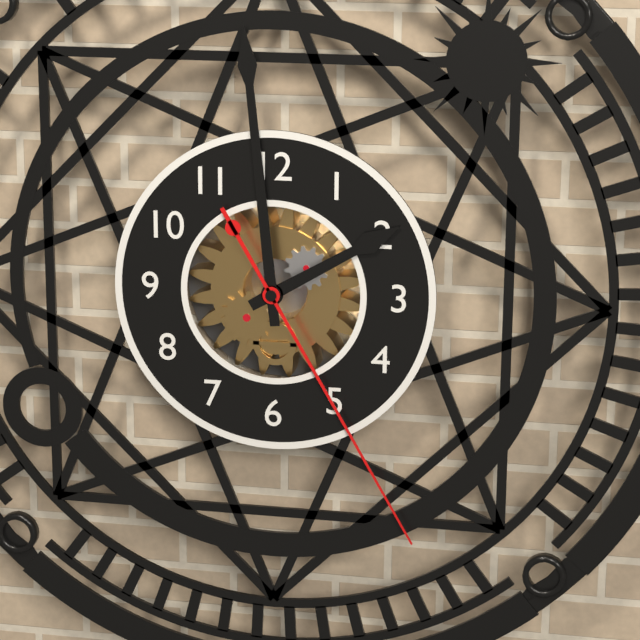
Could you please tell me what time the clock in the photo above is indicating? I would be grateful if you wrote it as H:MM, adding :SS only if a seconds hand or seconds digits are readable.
1:59:25
